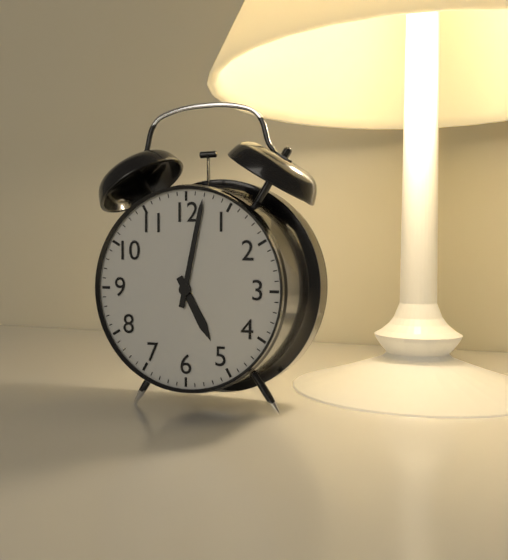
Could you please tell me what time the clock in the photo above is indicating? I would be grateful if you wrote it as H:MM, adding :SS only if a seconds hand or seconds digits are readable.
5:02
